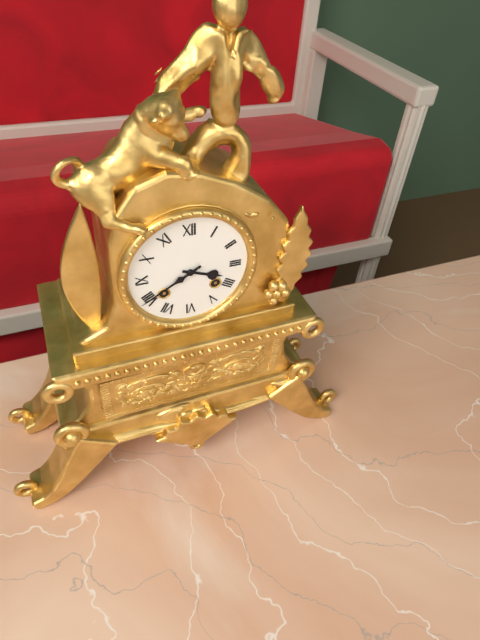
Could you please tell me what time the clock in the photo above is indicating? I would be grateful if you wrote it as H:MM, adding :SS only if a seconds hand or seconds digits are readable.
3:40
